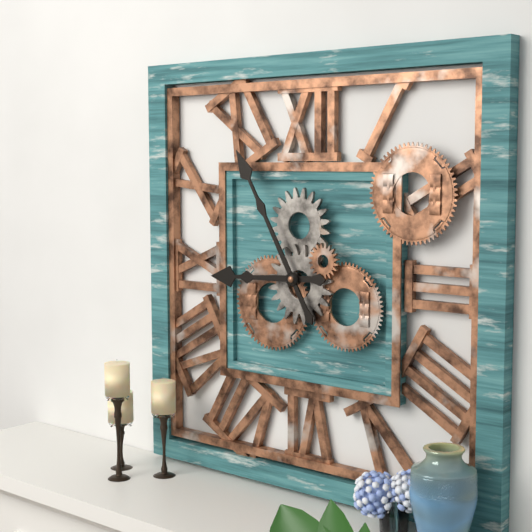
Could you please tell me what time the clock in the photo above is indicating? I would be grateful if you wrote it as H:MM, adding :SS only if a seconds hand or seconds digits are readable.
8:55
